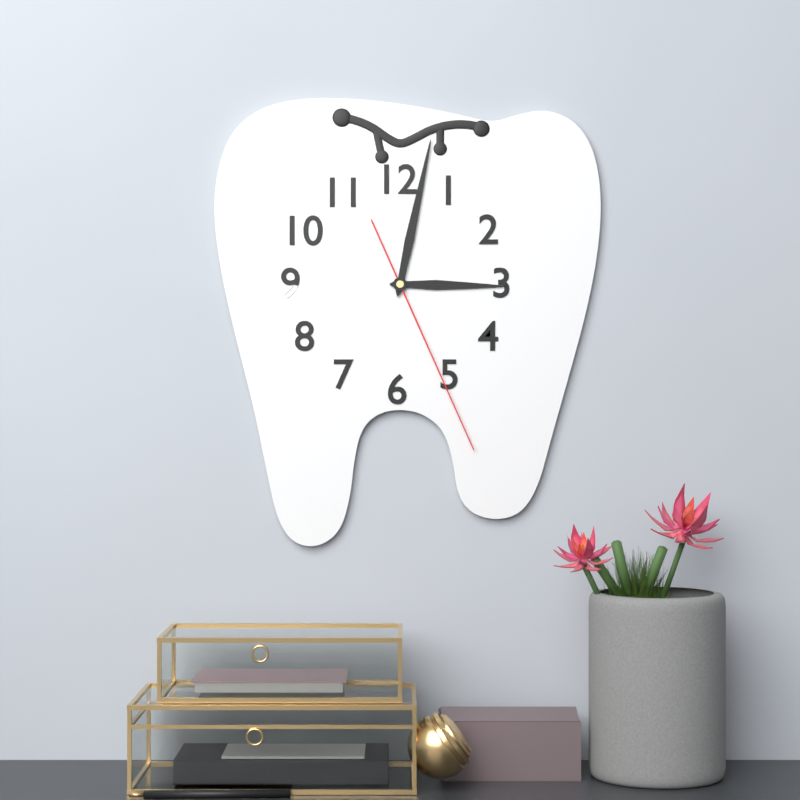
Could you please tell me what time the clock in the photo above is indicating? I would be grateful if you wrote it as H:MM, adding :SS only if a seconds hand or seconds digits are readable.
3:02:26
